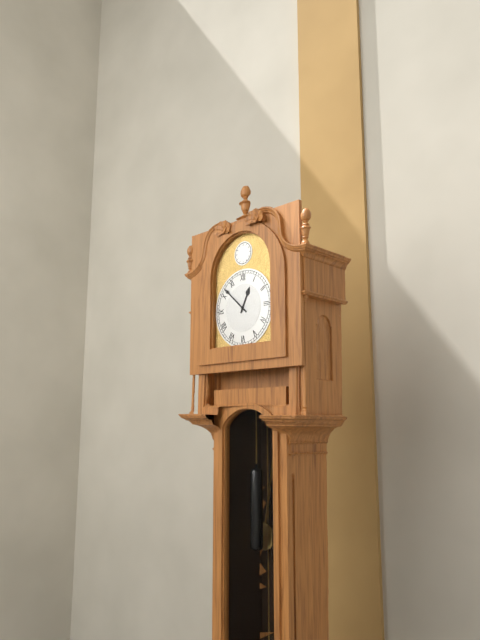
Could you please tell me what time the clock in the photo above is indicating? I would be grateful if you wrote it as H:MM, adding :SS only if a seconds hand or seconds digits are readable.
12:52
